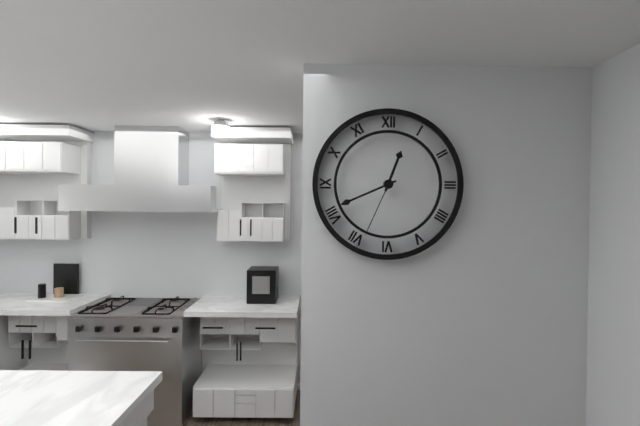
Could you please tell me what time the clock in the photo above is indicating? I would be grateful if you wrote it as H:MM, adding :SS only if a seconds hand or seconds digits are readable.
12:41:34
